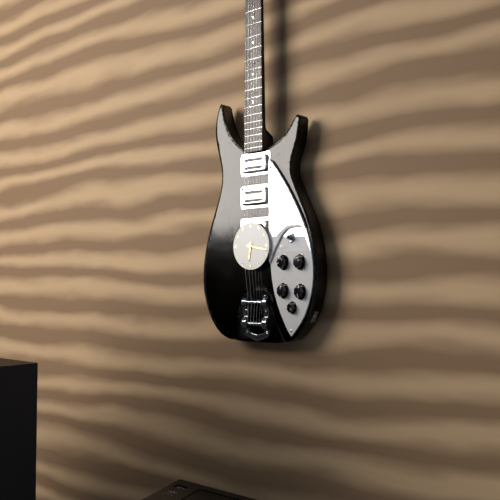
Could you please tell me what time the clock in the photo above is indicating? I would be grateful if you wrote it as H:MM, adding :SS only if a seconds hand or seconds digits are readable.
6:17
